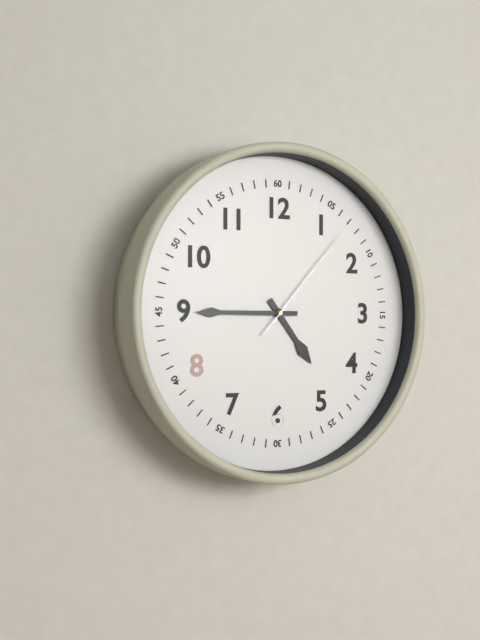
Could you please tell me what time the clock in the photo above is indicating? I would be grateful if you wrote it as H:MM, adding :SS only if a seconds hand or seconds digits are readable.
4:45:07
